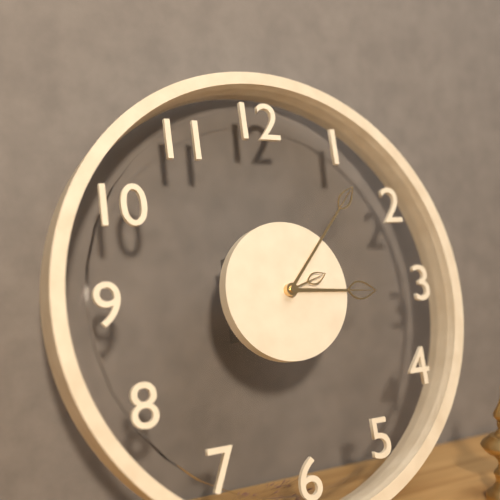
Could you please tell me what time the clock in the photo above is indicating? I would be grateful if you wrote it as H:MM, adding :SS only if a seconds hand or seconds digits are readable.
3:07
